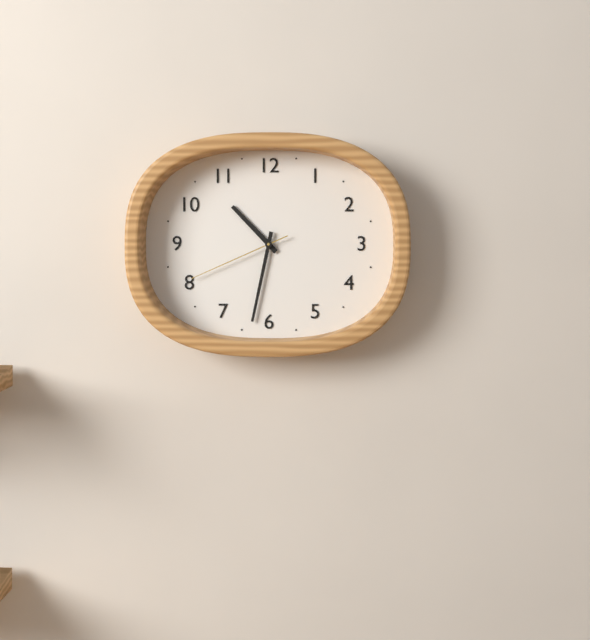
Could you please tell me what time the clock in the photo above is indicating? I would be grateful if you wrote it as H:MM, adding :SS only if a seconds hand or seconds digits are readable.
10:32:41
